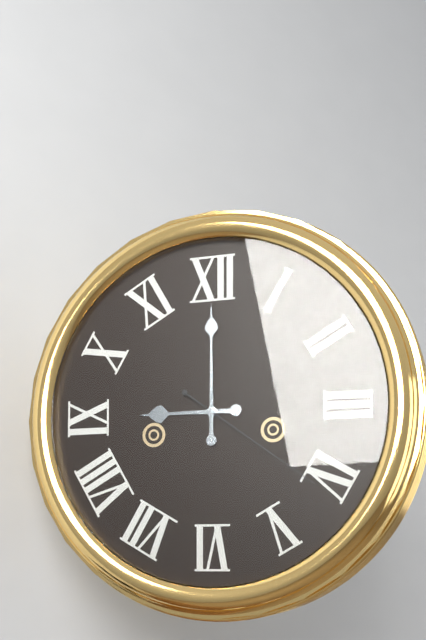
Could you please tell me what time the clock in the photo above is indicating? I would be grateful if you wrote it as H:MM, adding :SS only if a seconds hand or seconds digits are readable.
9:00:21
